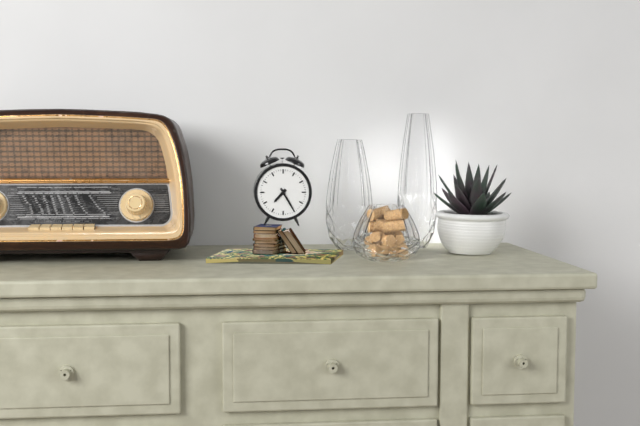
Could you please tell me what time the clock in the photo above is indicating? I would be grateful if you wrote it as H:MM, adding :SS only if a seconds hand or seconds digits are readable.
7:25
